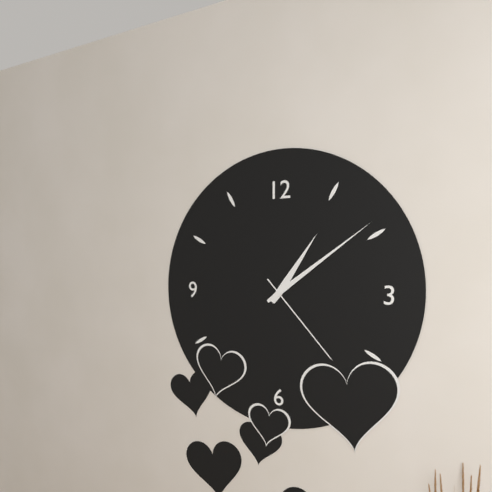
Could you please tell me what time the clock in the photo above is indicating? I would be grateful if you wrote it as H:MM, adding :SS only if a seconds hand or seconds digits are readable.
1:09:23
